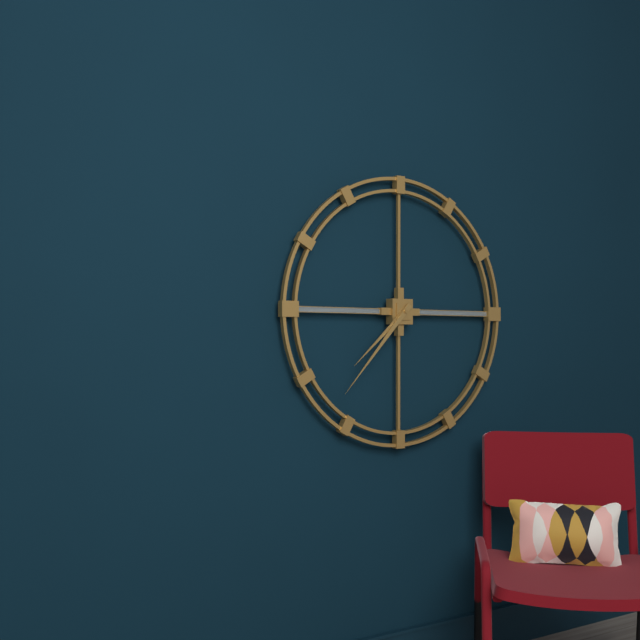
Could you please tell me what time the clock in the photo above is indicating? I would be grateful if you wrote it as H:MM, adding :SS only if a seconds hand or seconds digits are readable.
7:37
